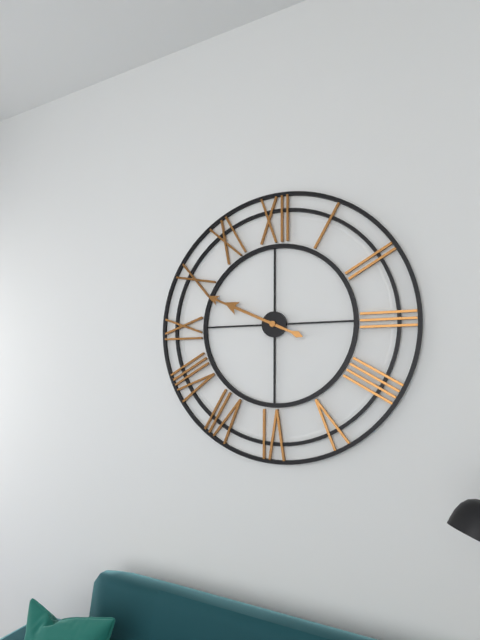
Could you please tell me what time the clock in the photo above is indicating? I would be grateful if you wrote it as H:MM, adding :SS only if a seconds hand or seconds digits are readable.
9:49
